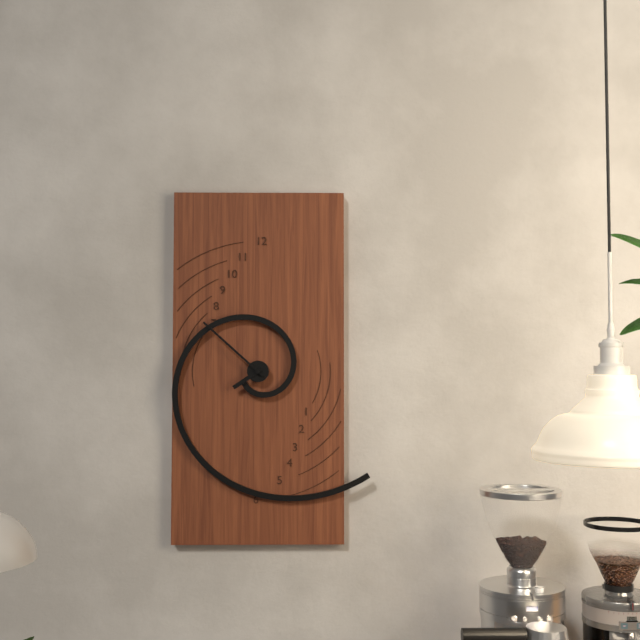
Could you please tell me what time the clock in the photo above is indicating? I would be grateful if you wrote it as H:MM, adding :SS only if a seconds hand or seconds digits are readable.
7:52
